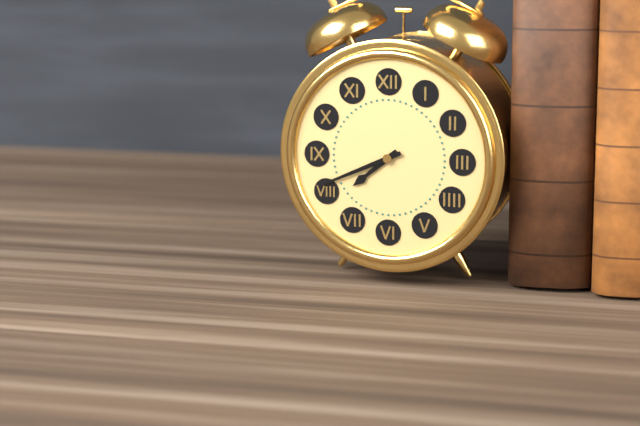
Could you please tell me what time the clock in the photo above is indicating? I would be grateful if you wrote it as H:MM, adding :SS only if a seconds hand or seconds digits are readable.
7:41
